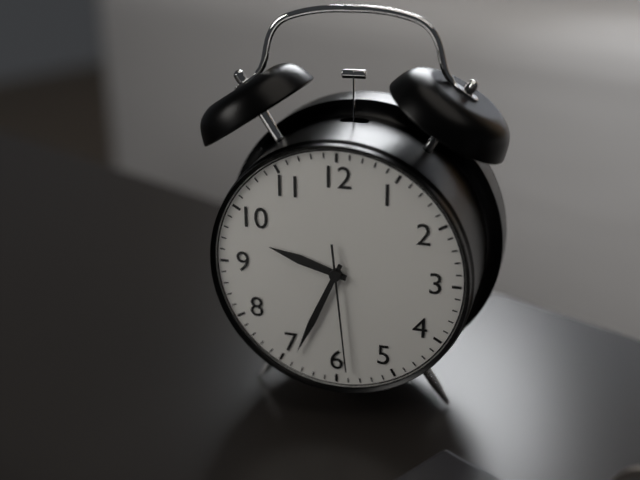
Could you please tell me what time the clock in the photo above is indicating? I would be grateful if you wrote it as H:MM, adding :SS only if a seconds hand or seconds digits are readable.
9:34:29
